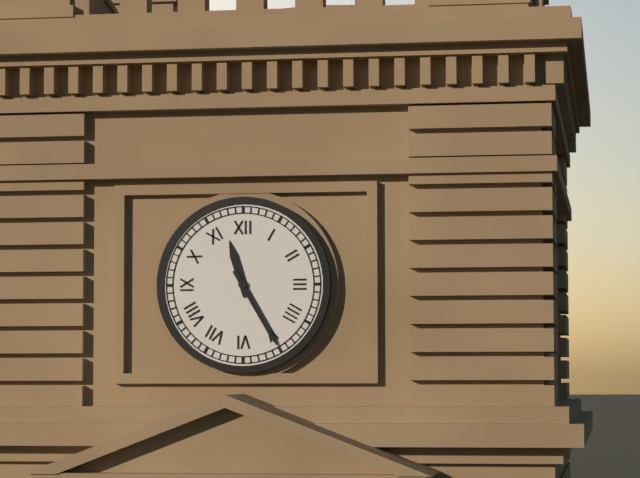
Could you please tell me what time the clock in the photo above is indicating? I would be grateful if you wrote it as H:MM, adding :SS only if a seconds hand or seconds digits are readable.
11:25
